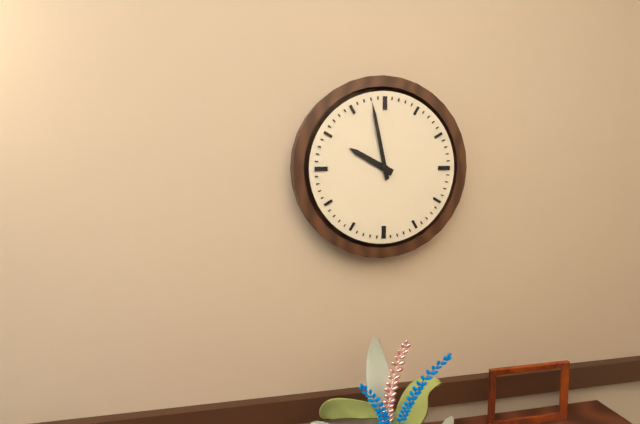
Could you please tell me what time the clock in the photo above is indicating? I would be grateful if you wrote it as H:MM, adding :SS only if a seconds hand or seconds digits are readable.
9:58
